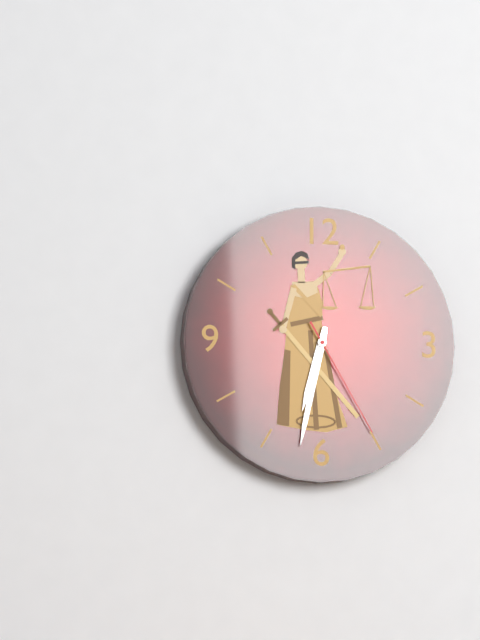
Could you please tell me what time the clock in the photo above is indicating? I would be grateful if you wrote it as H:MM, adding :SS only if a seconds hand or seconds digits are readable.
6:32:25
